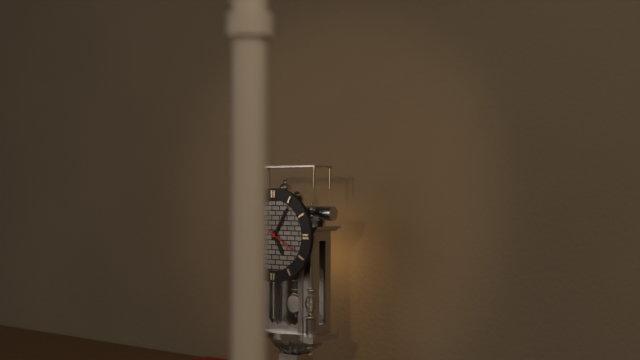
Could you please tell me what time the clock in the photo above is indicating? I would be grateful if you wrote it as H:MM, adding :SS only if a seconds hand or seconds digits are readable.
5:05
